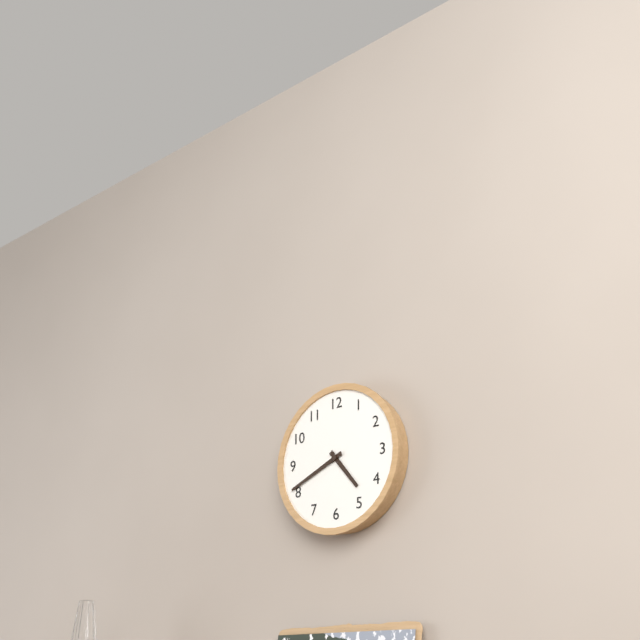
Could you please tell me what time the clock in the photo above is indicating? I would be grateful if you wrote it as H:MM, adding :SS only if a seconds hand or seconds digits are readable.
4:41
